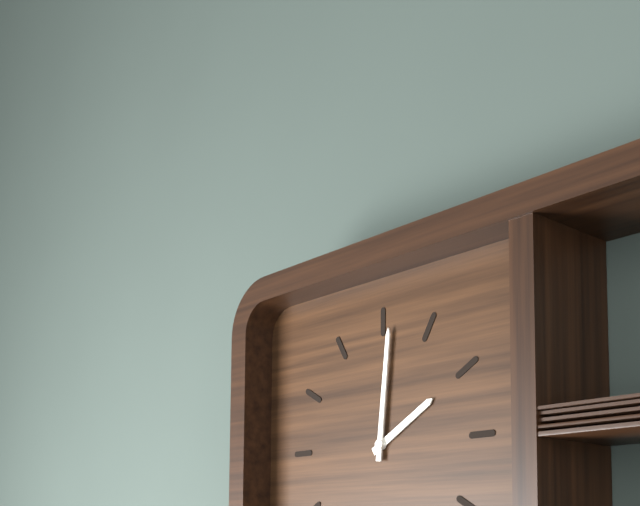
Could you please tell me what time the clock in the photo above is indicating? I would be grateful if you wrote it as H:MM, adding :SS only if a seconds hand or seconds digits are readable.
2:01
